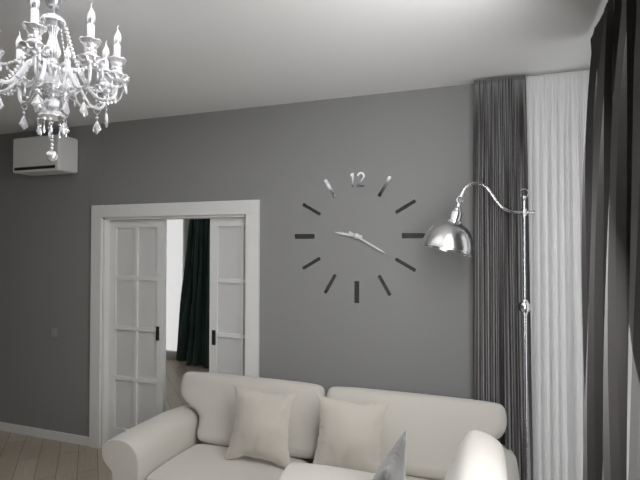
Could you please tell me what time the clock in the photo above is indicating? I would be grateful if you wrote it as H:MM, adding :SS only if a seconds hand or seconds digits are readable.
9:20
